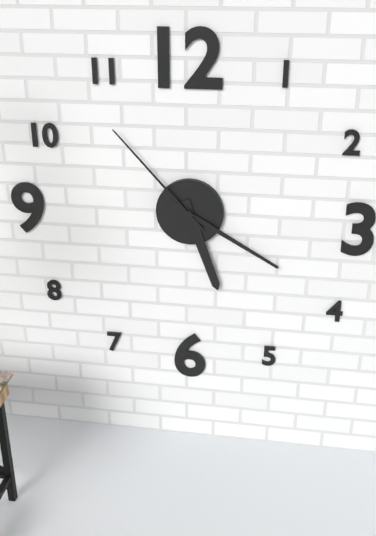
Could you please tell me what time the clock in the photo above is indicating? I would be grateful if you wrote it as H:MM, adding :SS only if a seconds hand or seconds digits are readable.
5:20:53
